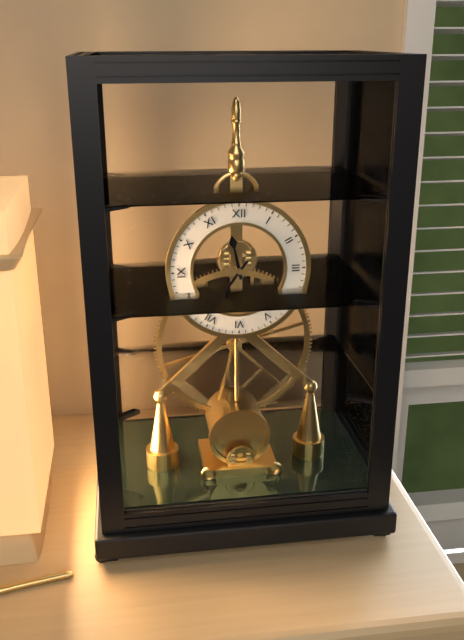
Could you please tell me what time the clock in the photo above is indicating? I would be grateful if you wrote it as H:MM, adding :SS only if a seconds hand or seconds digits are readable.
11:36
